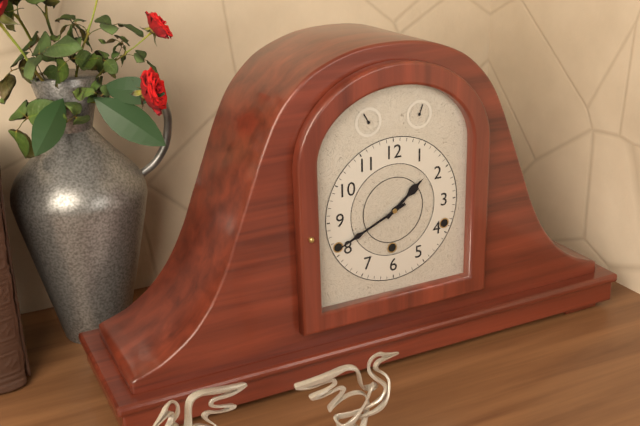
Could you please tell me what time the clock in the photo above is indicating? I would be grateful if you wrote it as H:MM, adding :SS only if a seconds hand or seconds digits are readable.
1:41
